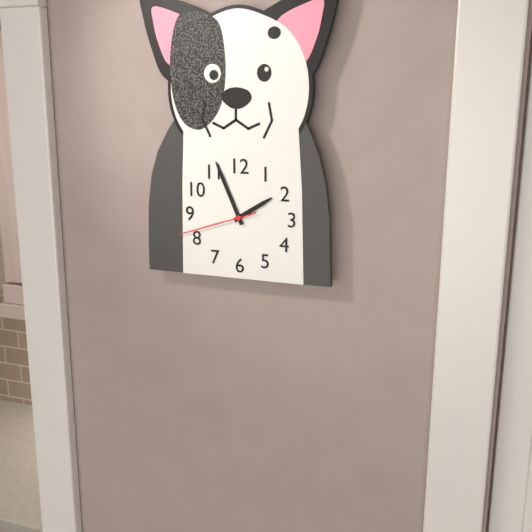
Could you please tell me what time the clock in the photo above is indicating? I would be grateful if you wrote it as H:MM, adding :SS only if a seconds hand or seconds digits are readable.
1:56:42
